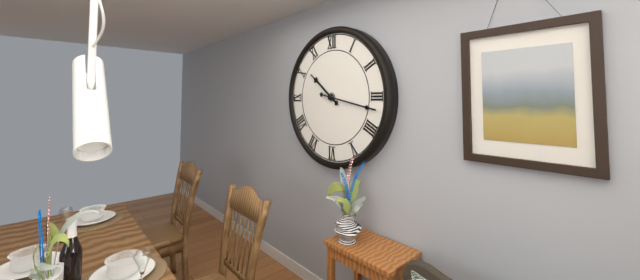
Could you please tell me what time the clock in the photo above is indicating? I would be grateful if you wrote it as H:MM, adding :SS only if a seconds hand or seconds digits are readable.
10:17
